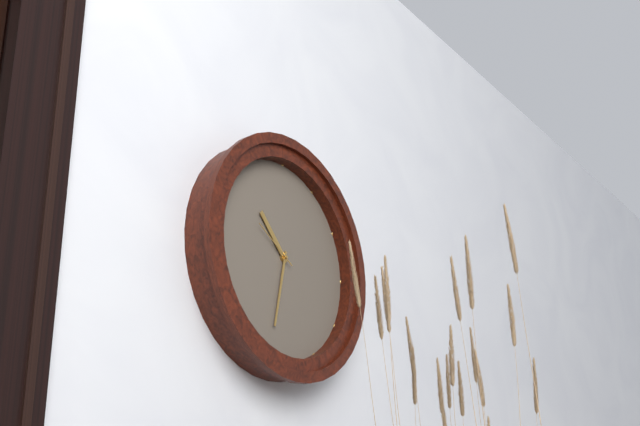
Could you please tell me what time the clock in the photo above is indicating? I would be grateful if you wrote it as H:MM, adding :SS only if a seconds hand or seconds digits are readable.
10:32:50
